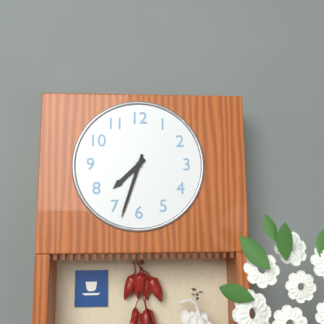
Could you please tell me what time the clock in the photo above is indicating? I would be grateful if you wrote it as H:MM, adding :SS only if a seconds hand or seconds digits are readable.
7:33
